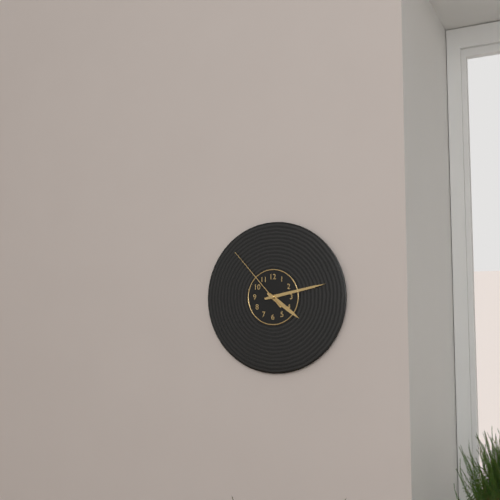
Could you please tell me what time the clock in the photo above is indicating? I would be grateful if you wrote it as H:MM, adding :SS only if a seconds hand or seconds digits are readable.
4:13:53
